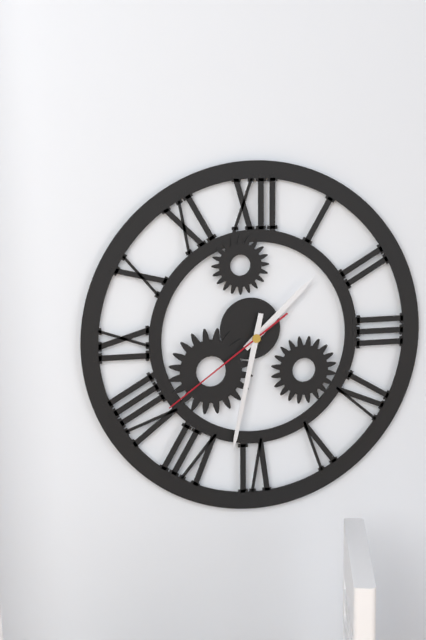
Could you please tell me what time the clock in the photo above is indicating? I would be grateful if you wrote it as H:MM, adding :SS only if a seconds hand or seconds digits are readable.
1:32:39
